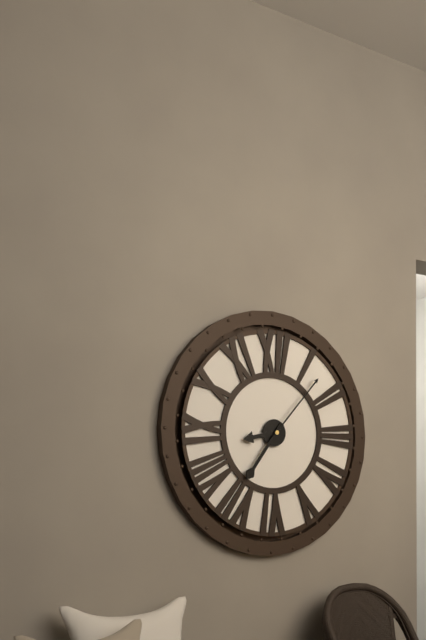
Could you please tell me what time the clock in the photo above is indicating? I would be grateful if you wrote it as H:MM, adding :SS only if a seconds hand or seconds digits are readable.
8:36:07
